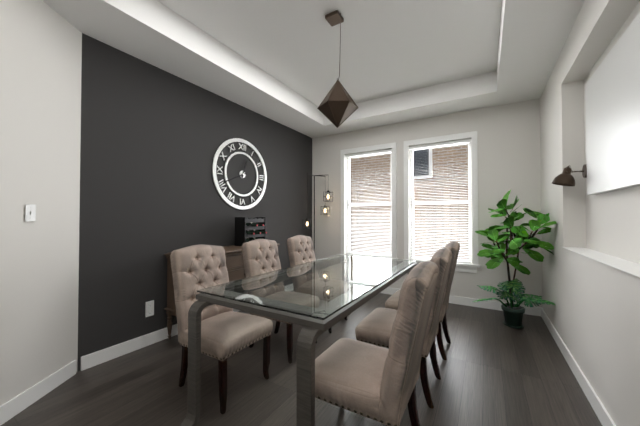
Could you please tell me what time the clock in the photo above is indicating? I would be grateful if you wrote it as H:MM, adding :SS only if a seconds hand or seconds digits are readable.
12:41
